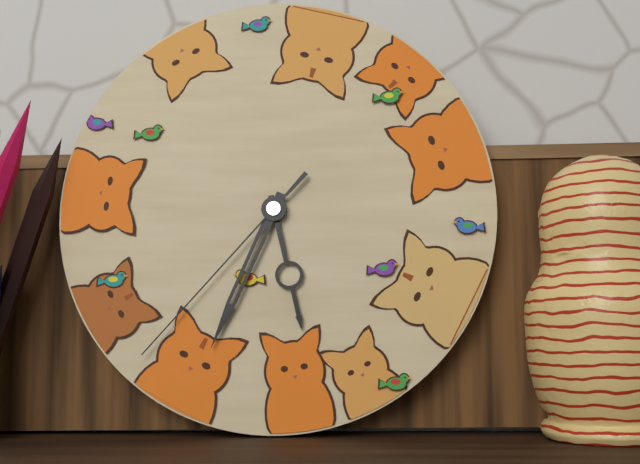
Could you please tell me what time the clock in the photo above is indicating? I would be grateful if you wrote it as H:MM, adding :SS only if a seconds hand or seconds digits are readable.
5:34:37
